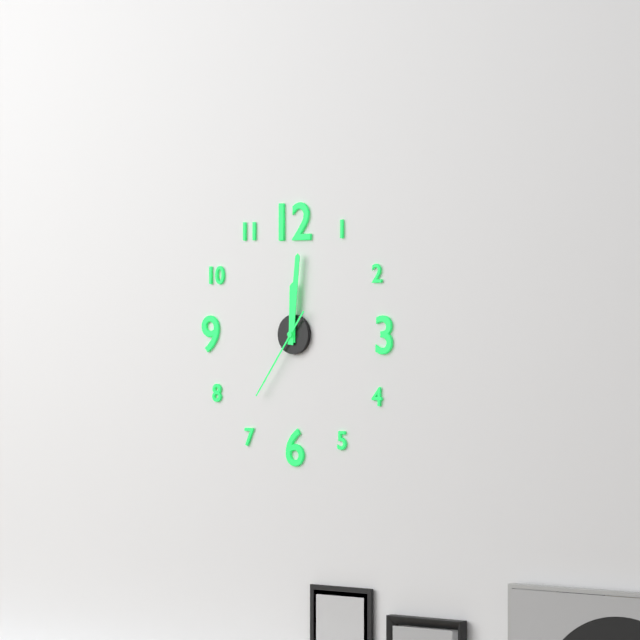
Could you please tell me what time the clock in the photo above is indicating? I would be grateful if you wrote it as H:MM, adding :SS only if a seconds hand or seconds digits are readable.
12:01:36
